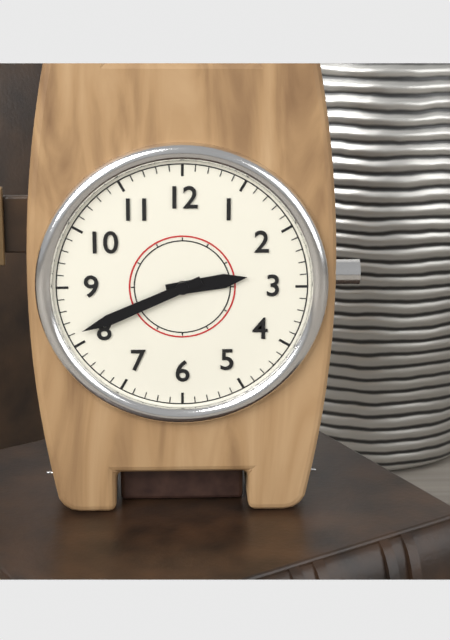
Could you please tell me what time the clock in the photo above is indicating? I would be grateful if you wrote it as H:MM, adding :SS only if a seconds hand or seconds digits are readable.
2:41
